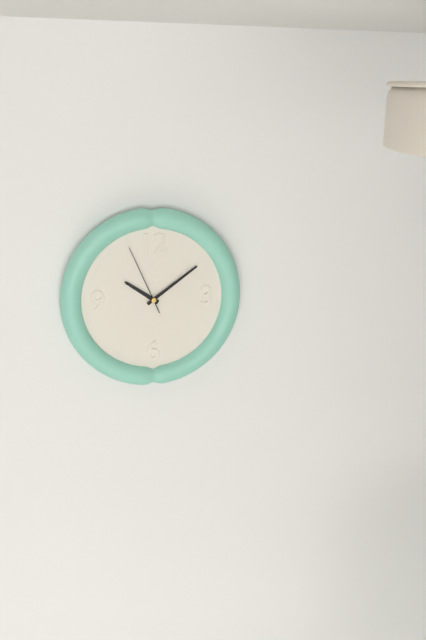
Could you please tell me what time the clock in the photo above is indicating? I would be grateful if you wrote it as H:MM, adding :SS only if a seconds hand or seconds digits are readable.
10:09:56
